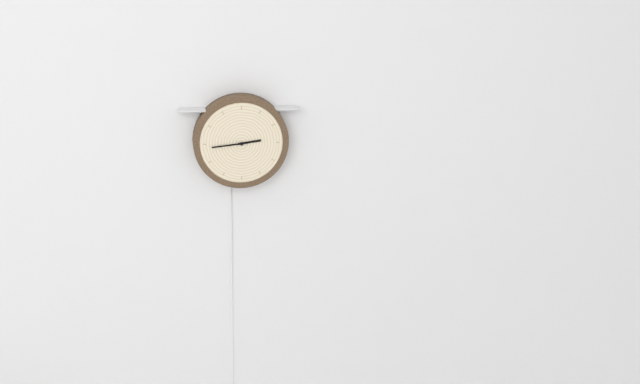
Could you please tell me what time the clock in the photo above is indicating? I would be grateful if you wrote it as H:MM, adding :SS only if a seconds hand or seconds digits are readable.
2:44
